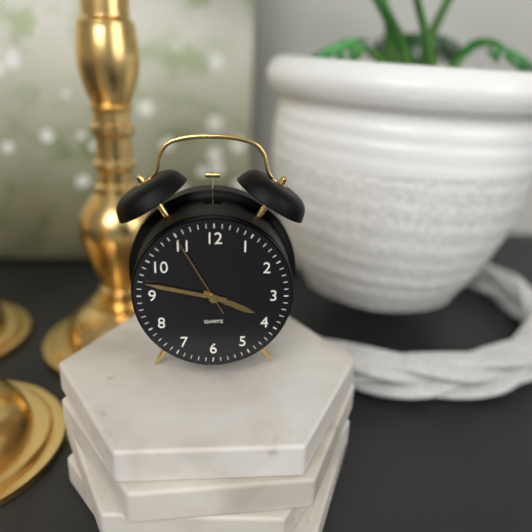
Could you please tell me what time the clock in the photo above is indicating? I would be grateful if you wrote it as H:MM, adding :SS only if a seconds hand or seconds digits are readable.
3:47:55
